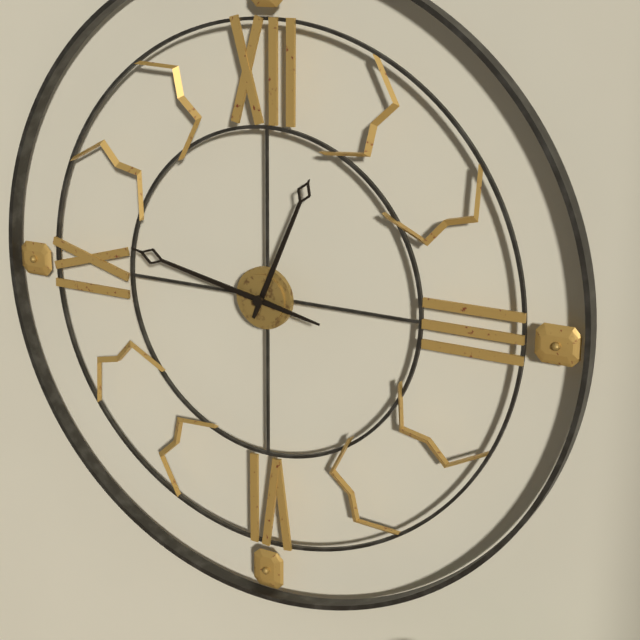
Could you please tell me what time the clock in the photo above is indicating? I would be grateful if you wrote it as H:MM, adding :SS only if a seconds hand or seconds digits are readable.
12:47
